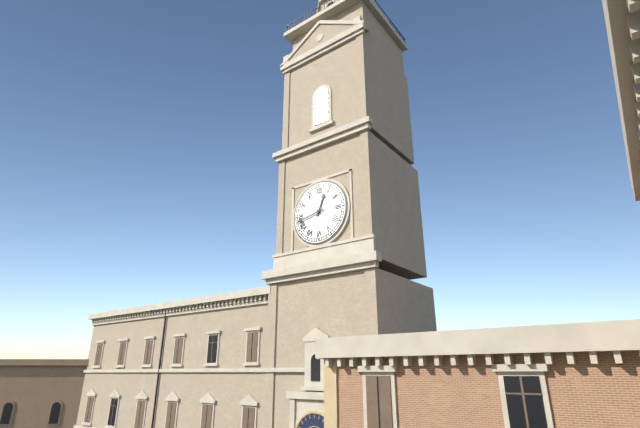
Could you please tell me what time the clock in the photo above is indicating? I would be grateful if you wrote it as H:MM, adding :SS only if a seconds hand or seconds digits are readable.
12:43
